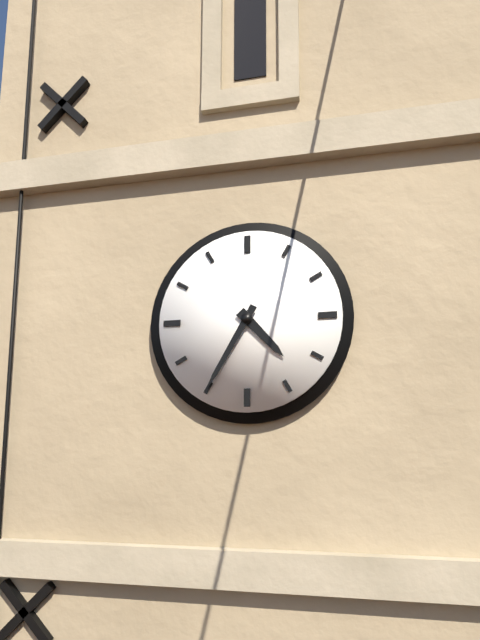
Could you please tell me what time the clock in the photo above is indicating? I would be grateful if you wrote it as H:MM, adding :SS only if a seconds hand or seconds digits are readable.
4:35
